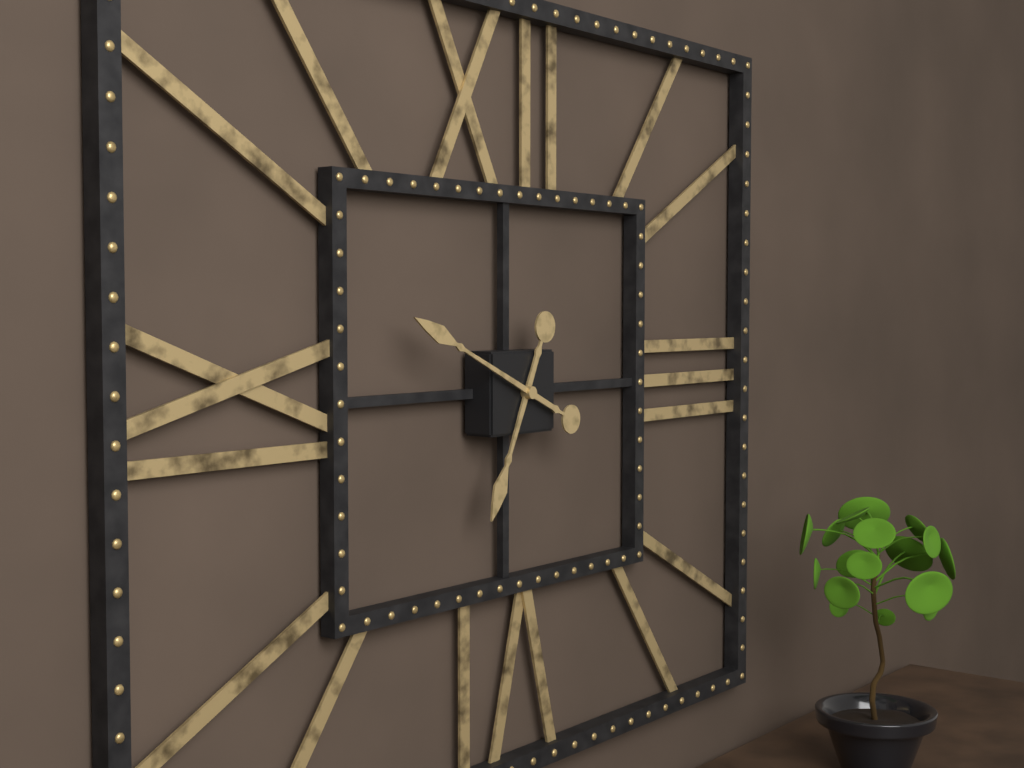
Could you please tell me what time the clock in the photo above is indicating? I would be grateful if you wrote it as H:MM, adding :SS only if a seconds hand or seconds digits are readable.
6:49
